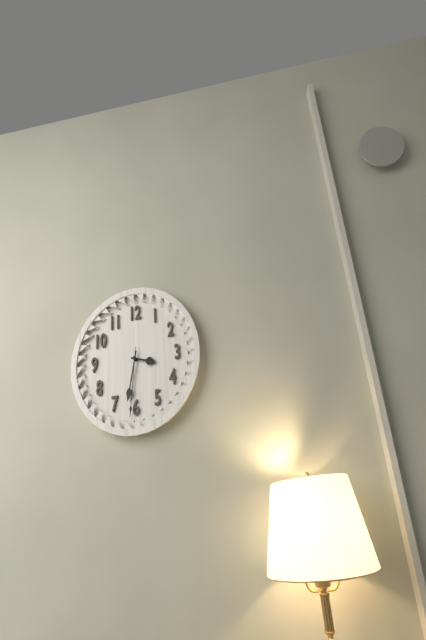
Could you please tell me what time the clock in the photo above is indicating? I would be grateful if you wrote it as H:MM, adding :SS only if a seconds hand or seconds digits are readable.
3:32:31
